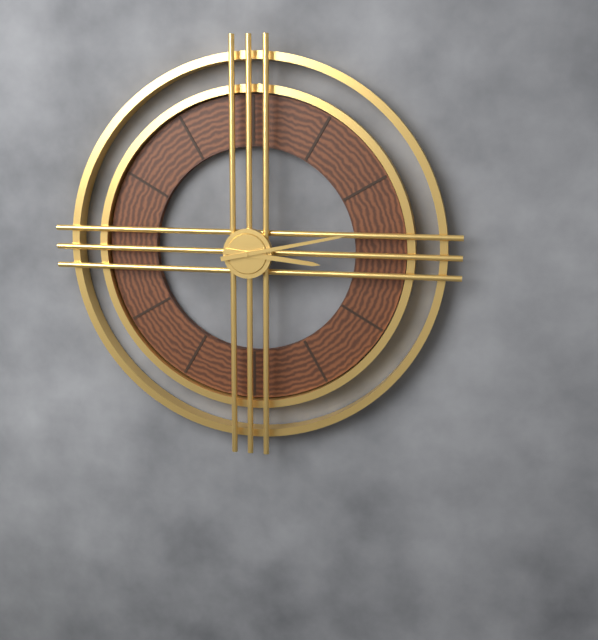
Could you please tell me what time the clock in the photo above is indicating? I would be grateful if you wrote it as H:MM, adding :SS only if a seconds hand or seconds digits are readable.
3:13
